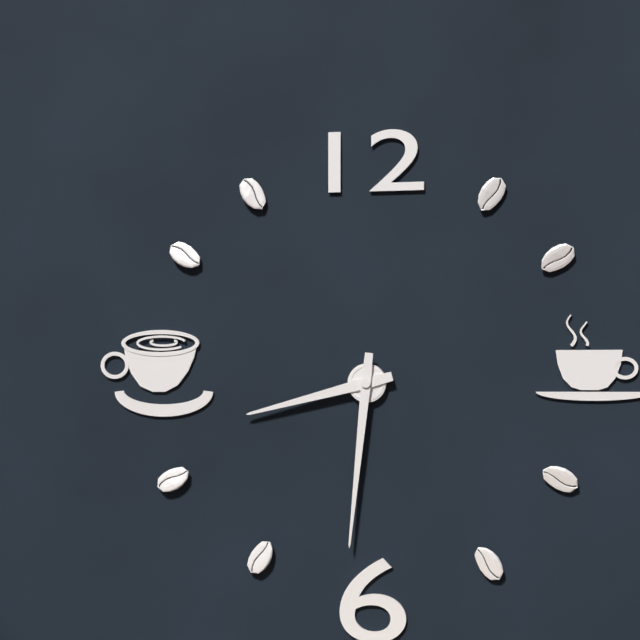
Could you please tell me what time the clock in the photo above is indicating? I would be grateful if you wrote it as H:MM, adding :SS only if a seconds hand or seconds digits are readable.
8:31
